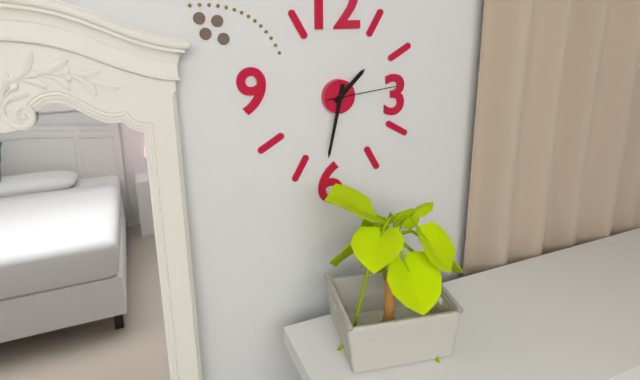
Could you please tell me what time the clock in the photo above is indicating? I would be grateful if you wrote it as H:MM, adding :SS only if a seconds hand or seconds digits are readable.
1:32:14
